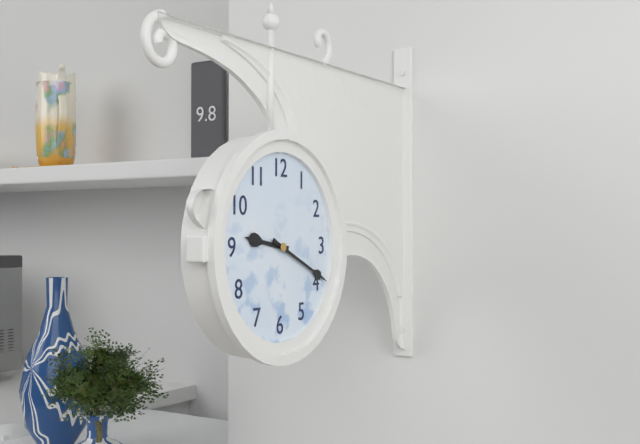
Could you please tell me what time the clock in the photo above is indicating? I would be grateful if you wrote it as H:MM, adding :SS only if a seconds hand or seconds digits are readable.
9:19
